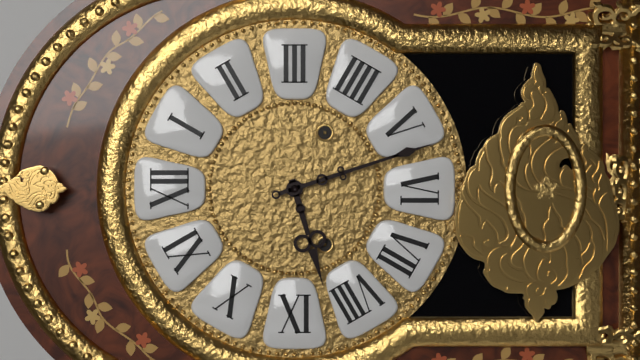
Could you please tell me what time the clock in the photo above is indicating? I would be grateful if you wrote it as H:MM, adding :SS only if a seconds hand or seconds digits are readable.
8:27
